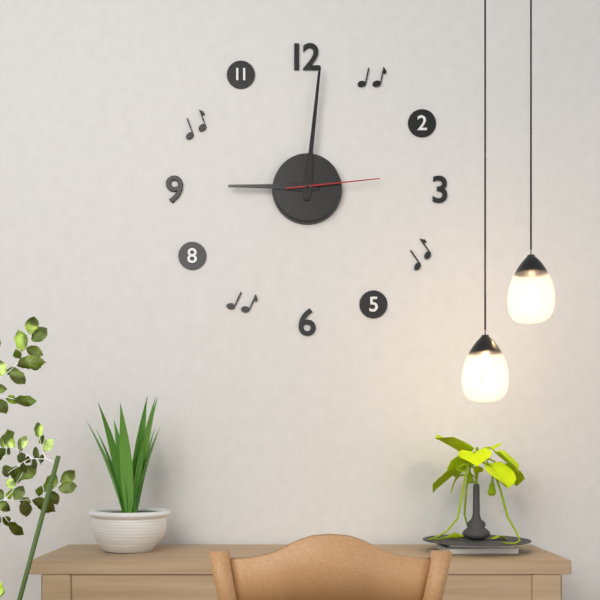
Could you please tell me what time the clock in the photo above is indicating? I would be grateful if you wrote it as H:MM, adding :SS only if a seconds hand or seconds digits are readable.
9:01:14
